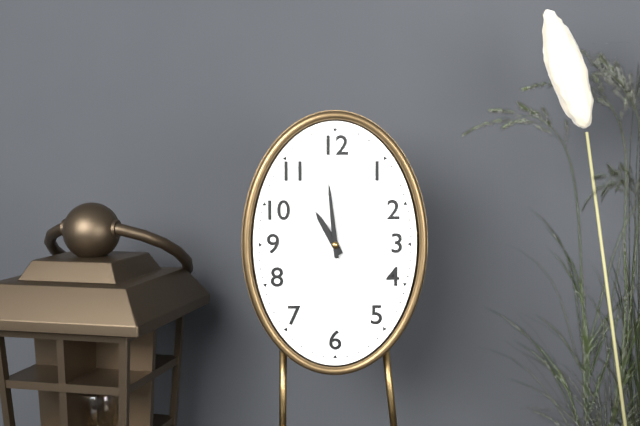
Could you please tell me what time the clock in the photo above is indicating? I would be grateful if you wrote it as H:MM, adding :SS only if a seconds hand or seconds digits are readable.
10:59
